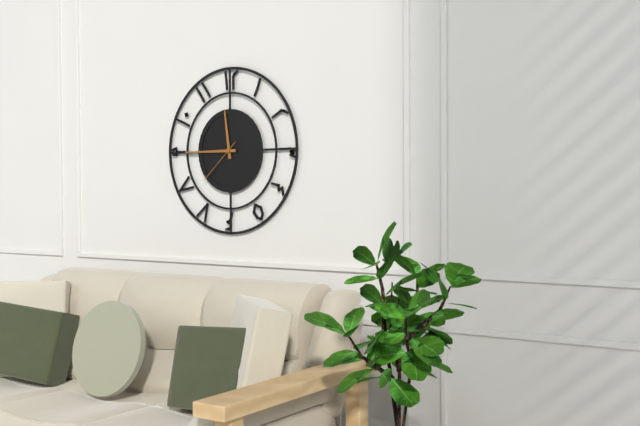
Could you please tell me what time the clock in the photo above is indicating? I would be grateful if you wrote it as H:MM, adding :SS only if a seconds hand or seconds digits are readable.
11:45:38
